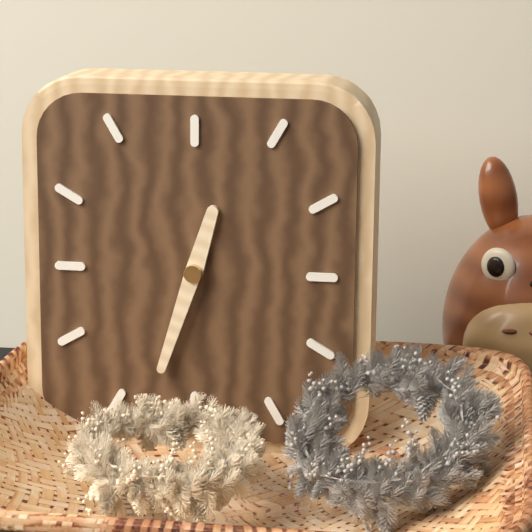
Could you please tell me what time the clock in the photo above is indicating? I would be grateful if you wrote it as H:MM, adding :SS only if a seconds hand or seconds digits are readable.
12:33
